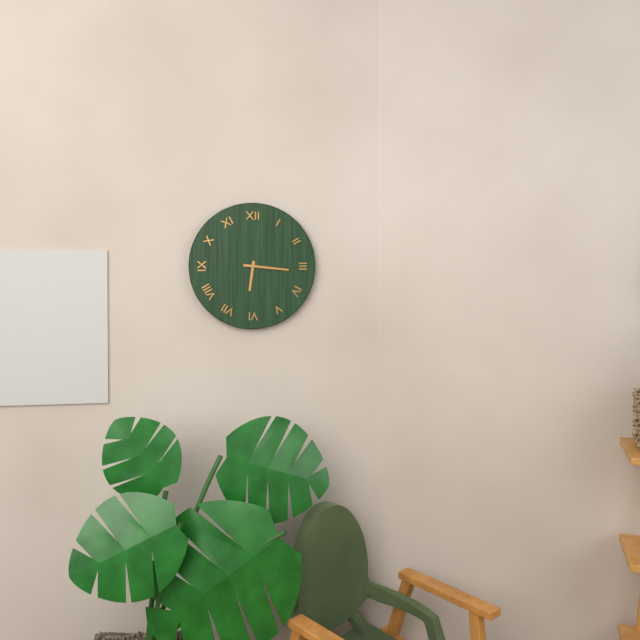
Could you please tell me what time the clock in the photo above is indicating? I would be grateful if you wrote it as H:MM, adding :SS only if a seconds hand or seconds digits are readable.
6:16
